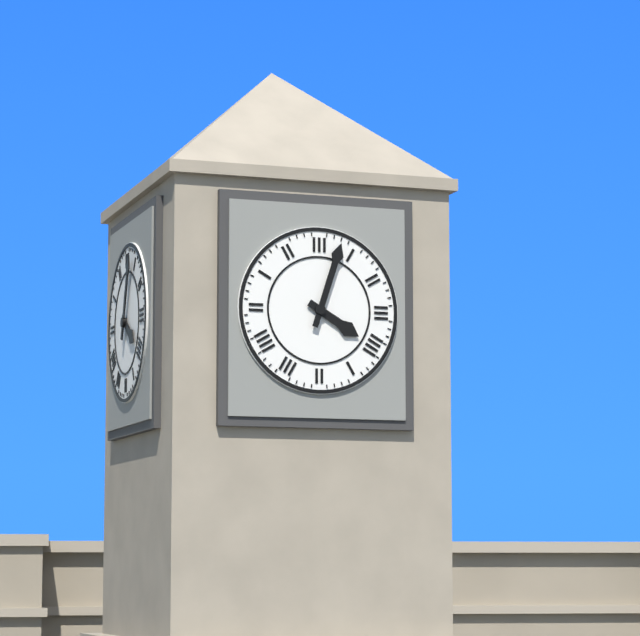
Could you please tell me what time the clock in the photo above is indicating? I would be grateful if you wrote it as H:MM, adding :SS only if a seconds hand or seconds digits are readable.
4:03
